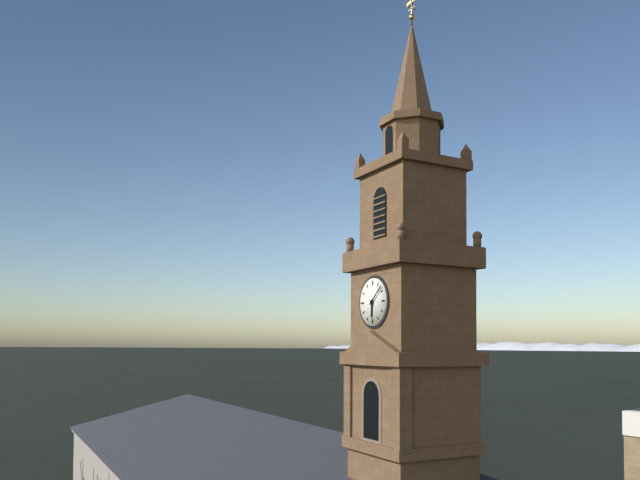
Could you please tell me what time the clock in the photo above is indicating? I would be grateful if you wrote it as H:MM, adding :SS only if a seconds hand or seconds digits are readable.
6:08
